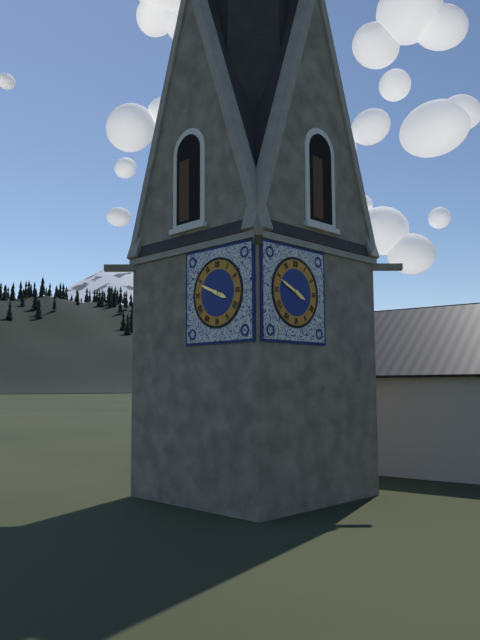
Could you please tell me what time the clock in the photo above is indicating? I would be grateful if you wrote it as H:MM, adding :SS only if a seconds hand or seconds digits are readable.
3:49
